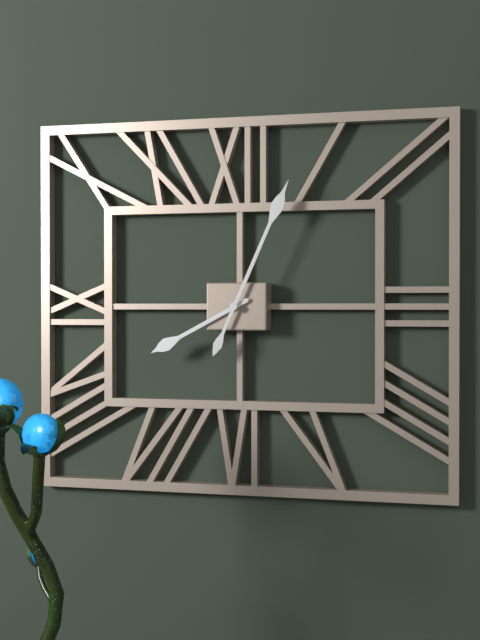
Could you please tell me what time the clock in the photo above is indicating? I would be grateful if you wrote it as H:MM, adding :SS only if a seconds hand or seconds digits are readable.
8:04
